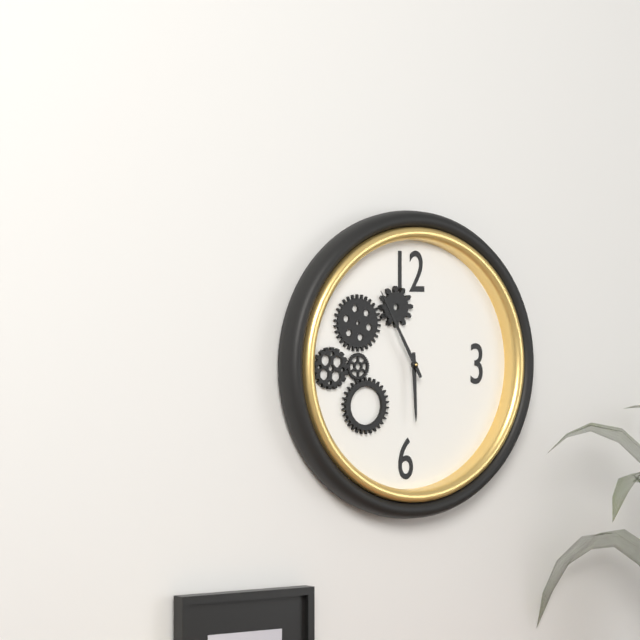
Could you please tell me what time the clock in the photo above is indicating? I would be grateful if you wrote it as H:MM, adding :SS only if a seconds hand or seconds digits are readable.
5:55
